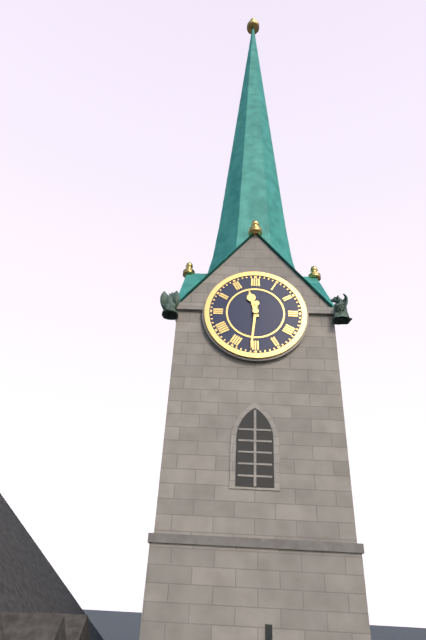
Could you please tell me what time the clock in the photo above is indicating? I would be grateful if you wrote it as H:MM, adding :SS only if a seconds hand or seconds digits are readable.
11:31
